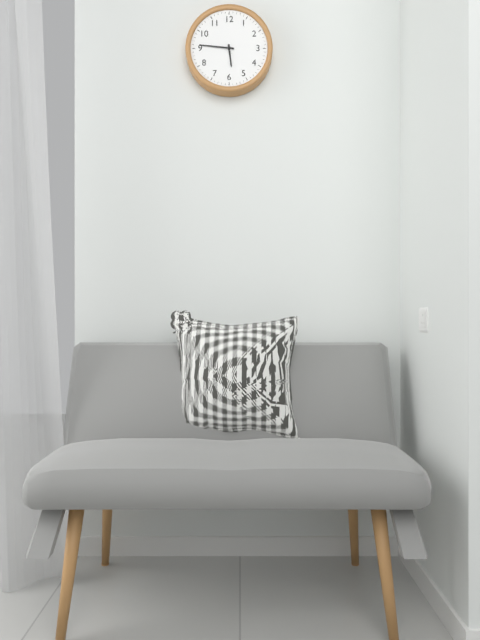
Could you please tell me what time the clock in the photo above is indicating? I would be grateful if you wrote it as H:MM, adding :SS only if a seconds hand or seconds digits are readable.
5:46
